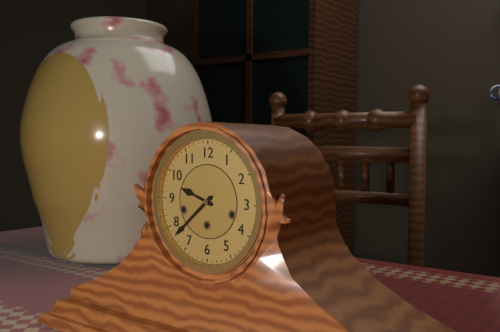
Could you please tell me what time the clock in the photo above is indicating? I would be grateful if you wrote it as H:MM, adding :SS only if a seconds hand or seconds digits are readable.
9:38
